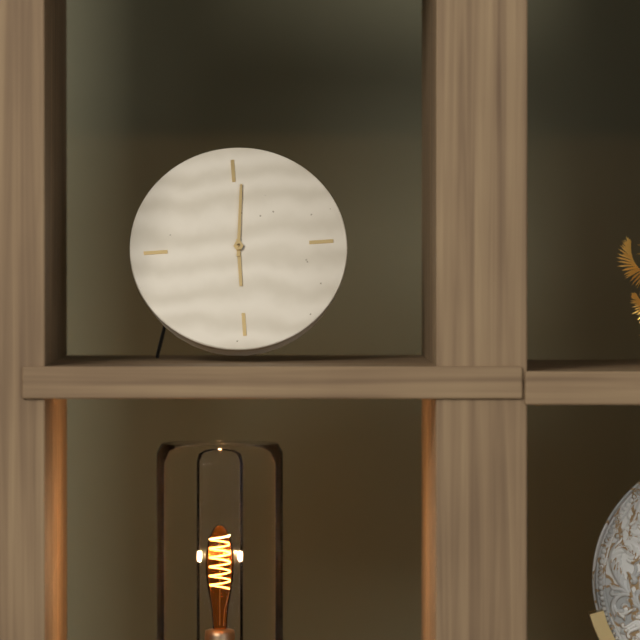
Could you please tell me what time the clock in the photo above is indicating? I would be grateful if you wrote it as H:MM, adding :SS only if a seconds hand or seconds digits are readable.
6:01
